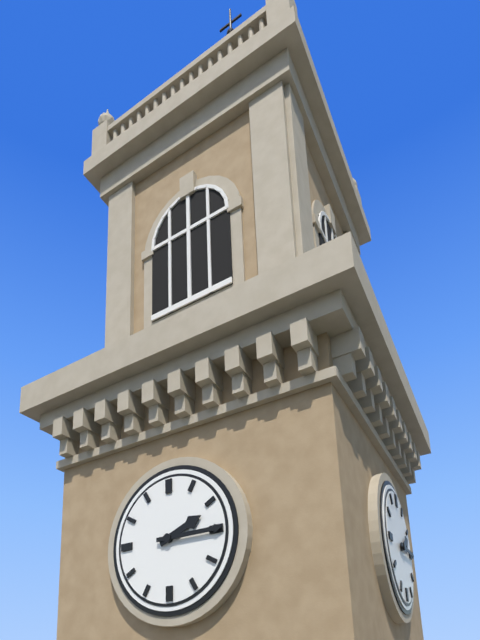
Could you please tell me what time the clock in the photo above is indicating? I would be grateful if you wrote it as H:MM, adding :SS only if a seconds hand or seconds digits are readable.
2:15
